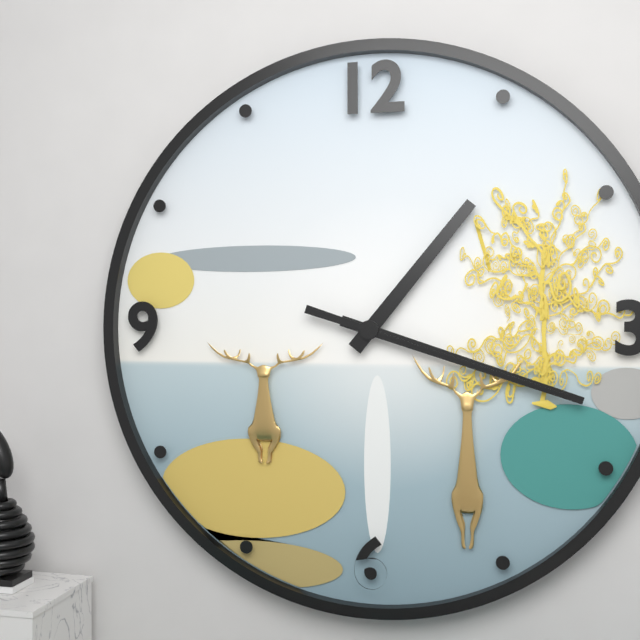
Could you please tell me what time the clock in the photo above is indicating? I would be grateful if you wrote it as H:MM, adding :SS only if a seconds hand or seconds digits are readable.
1:18:18
